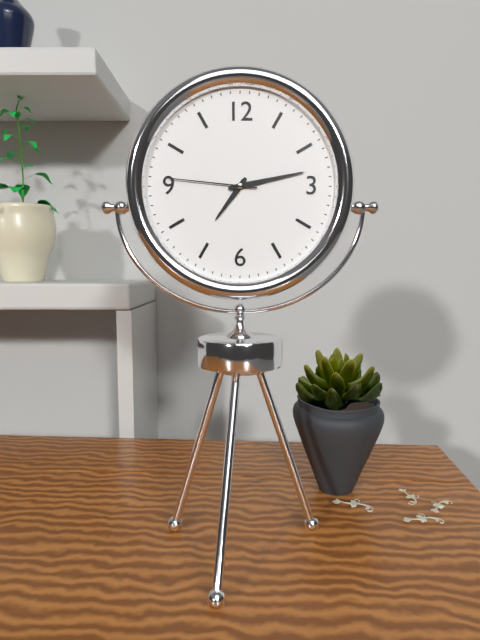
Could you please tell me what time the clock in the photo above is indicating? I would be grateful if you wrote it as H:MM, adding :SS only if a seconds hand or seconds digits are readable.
7:13:46
